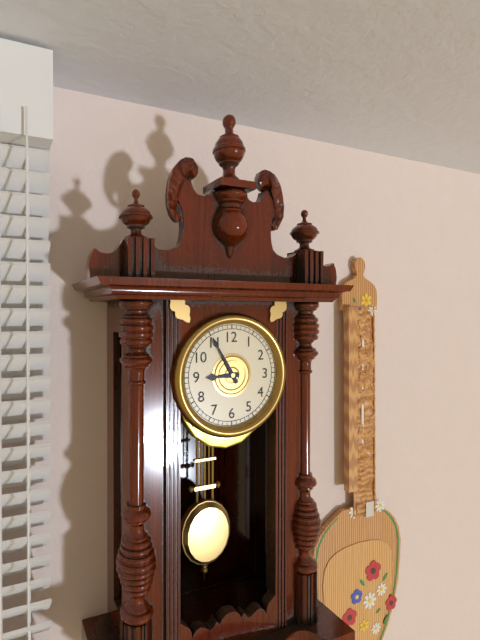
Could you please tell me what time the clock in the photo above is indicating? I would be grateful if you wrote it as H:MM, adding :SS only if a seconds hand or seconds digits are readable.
8:55
